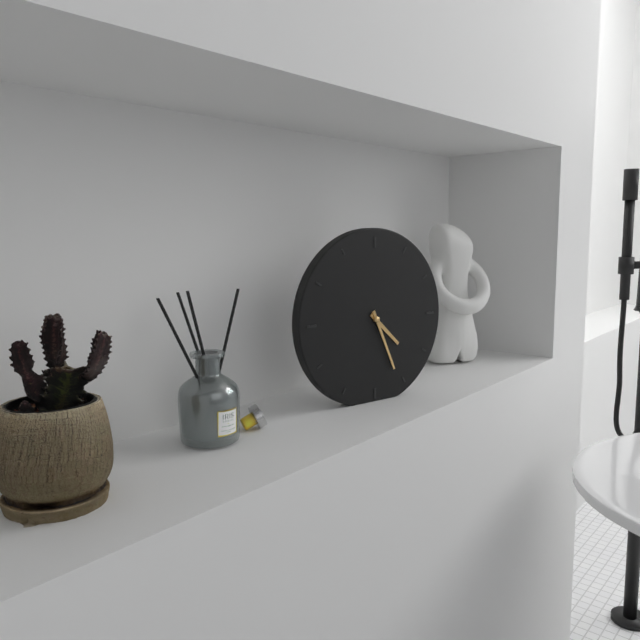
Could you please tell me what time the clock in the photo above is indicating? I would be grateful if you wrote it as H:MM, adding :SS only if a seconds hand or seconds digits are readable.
4:26
